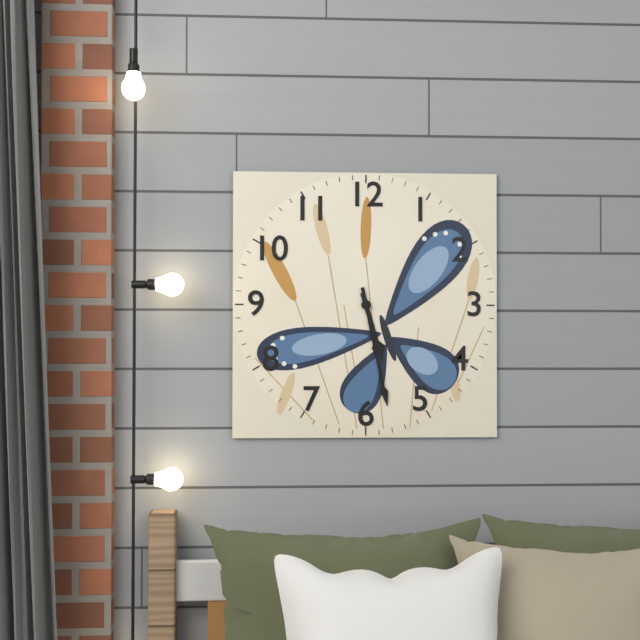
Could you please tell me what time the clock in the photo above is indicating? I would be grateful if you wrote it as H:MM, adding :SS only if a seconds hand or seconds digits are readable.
5:28
